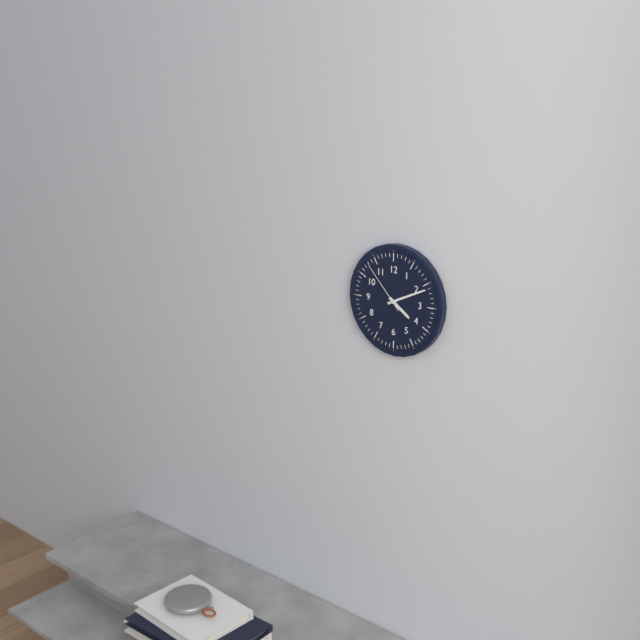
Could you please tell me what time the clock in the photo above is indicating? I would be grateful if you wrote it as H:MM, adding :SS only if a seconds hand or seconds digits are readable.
4:11:53
